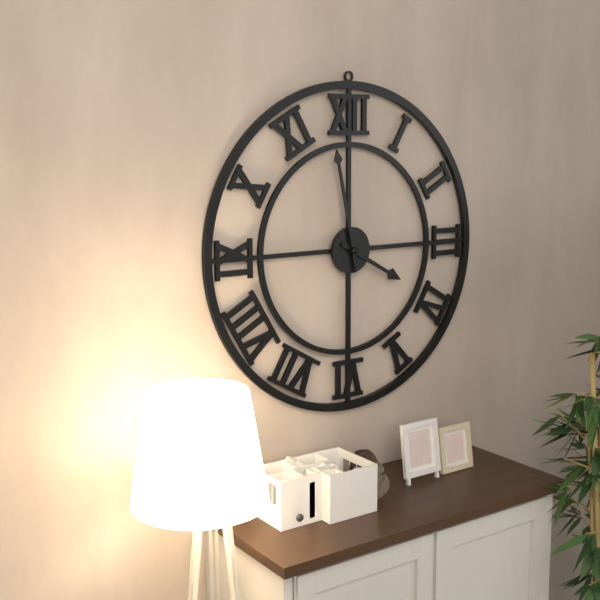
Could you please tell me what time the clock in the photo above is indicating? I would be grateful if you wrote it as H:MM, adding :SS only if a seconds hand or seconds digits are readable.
3:58
